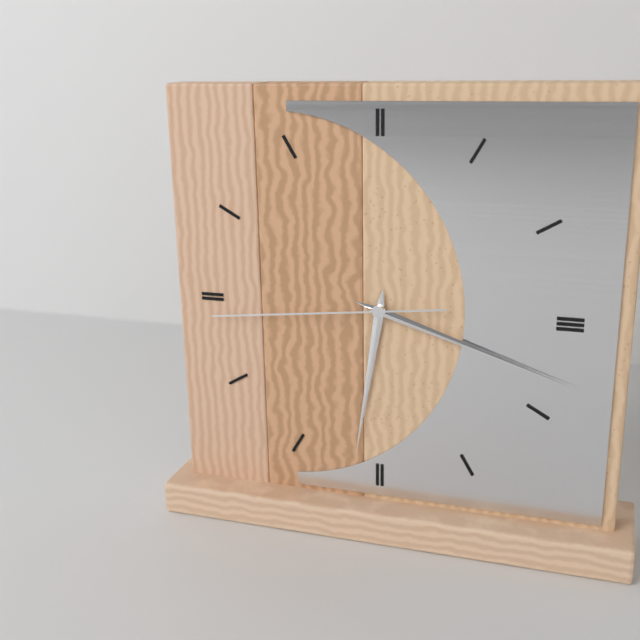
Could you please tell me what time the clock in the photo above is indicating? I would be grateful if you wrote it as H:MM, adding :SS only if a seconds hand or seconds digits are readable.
6:18:44
